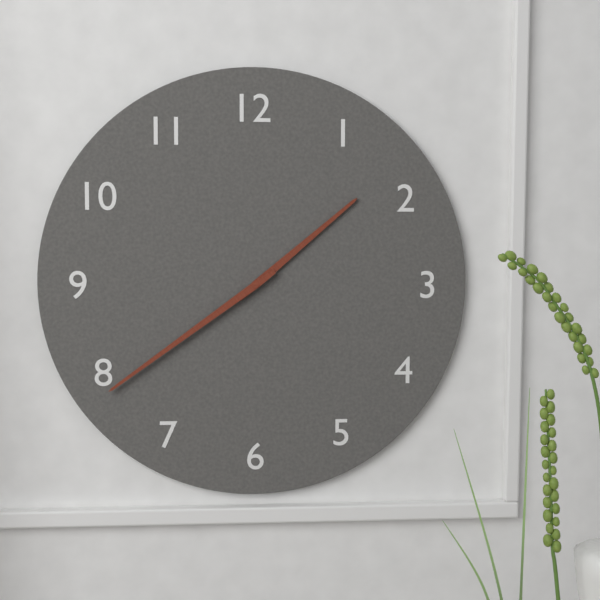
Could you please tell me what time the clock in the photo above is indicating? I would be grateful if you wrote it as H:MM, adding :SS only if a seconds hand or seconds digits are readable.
1:39
